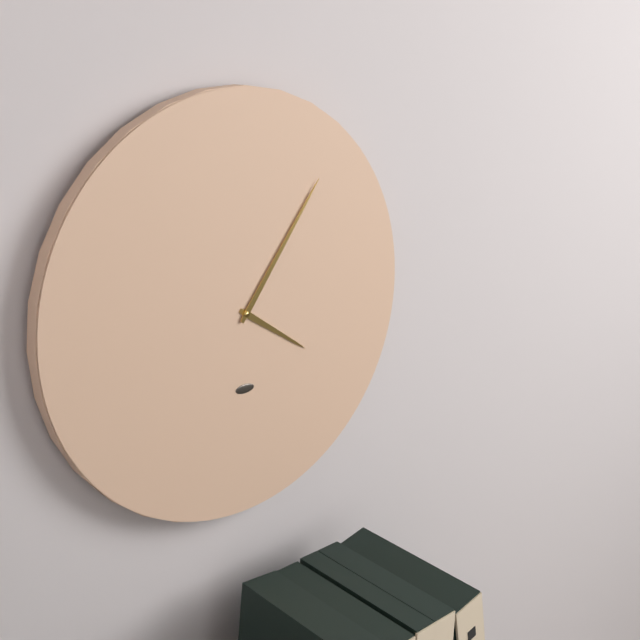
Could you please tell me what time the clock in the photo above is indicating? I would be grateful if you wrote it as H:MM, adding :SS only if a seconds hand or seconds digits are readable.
4:06
